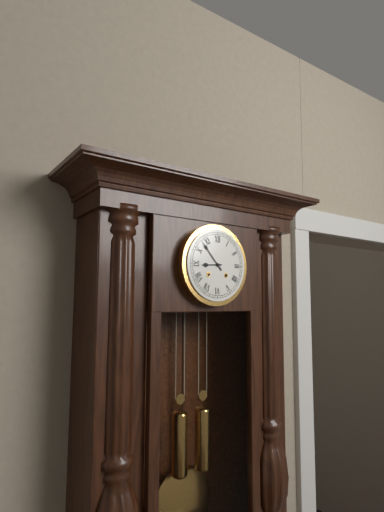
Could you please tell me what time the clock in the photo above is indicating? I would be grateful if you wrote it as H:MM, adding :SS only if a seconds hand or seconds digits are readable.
8:53
